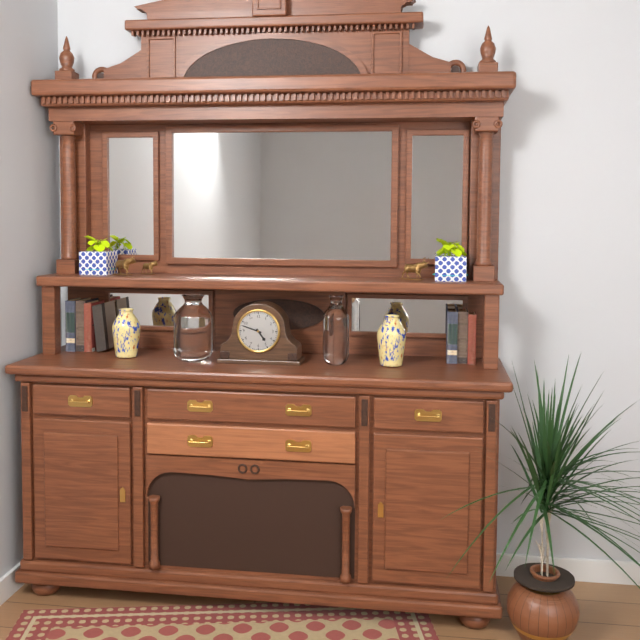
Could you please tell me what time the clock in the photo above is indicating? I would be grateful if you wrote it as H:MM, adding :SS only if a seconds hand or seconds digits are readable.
4:48
